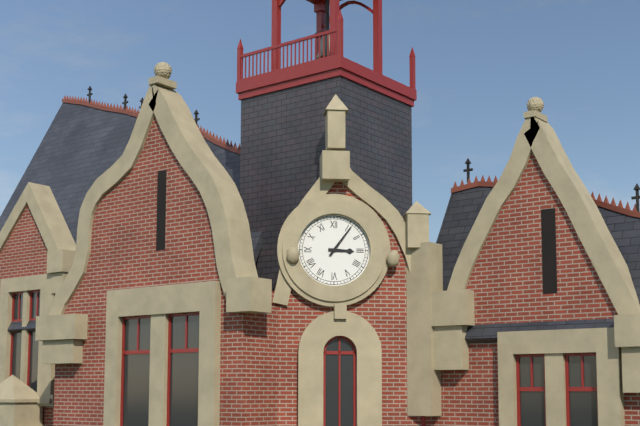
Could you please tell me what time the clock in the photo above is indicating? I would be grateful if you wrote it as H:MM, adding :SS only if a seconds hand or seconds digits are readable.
3:06
